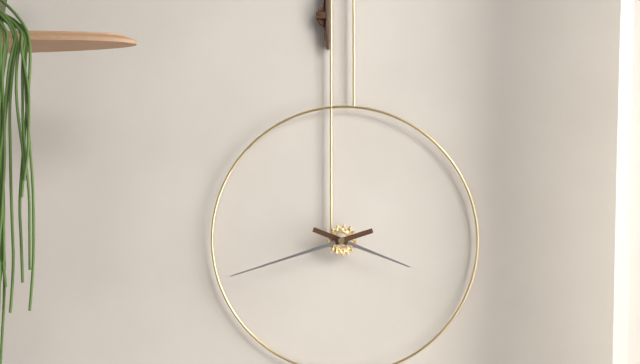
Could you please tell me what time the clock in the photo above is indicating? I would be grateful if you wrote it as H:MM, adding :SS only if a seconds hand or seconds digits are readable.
3:42
